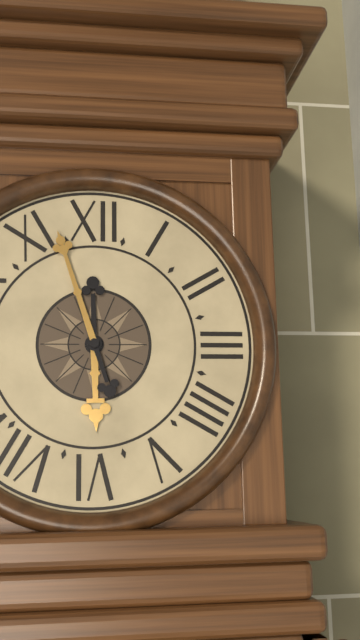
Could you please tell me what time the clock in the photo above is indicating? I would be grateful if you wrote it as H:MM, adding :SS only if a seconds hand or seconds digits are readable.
5:57
